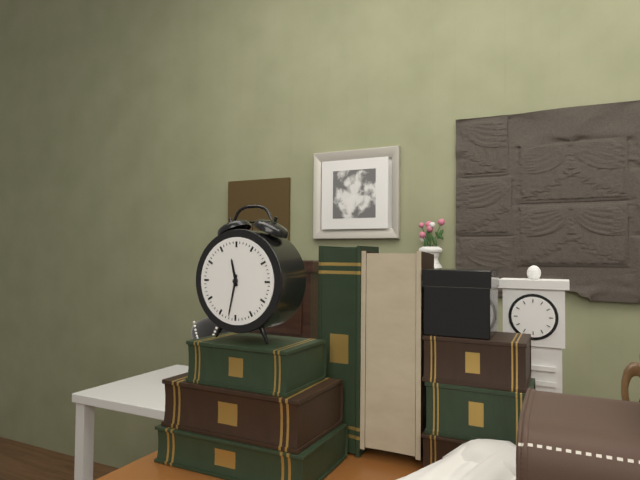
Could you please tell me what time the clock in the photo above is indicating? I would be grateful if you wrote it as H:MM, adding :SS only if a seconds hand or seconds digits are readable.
11:32
